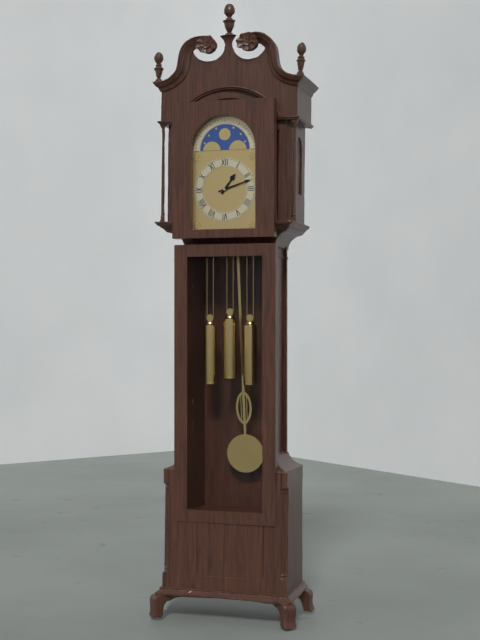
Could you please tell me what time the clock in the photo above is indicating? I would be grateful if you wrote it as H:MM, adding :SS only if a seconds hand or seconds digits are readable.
1:12
